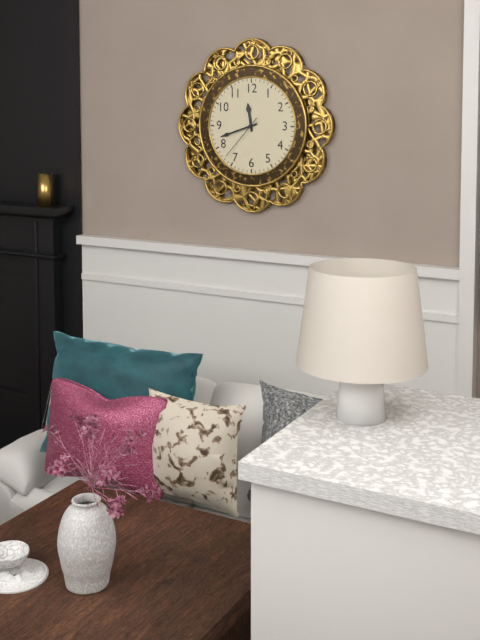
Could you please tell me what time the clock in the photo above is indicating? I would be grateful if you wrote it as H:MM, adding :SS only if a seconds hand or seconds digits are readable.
11:42:37
